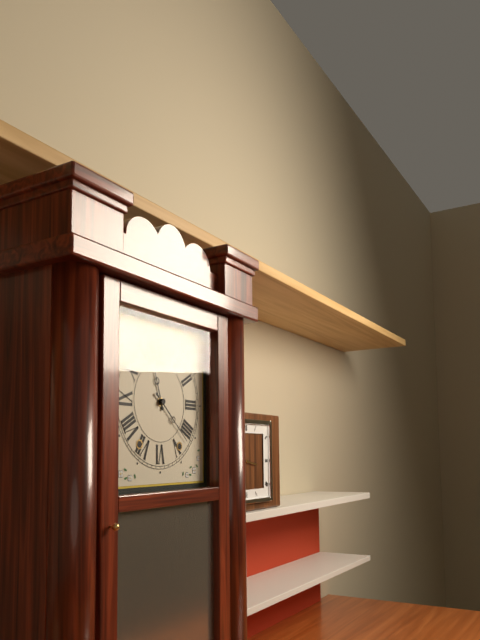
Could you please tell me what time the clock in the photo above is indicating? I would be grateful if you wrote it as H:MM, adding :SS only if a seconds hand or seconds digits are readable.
11:22
